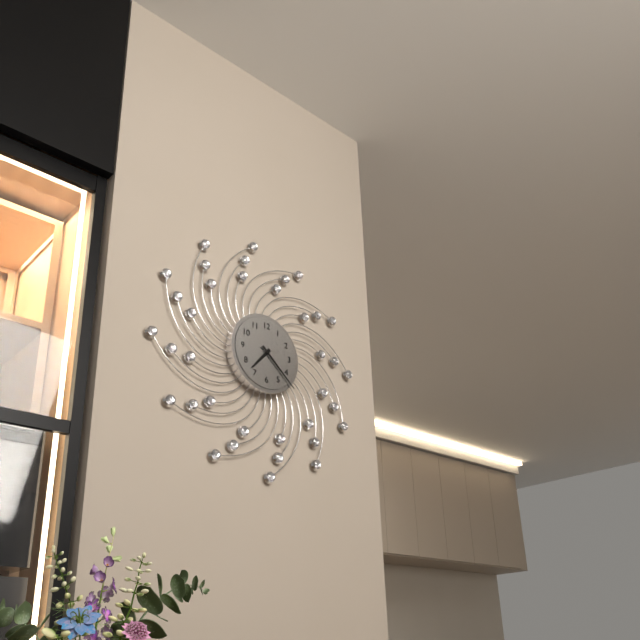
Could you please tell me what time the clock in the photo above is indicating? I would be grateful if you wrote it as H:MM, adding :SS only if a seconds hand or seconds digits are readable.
7:22
